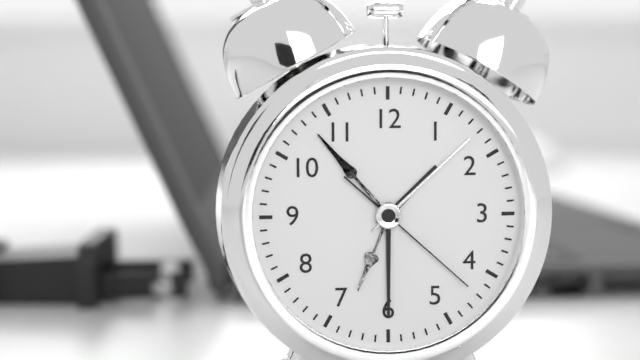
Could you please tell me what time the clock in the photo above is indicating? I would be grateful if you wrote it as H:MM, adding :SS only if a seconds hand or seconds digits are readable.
1:30:22
